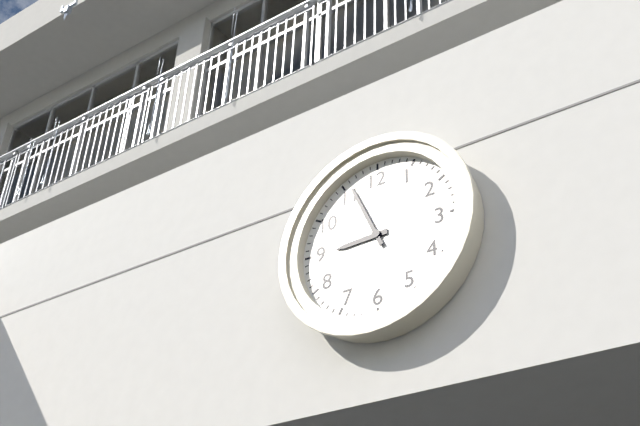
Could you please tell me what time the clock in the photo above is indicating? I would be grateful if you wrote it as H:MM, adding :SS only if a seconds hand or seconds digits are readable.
8:56
